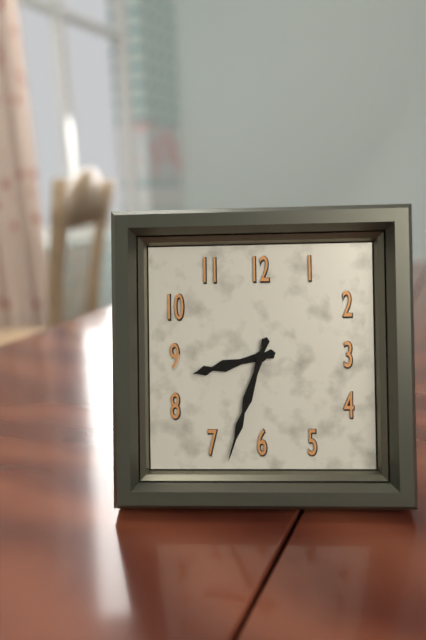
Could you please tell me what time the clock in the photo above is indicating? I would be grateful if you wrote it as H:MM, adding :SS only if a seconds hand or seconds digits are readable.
8:33
